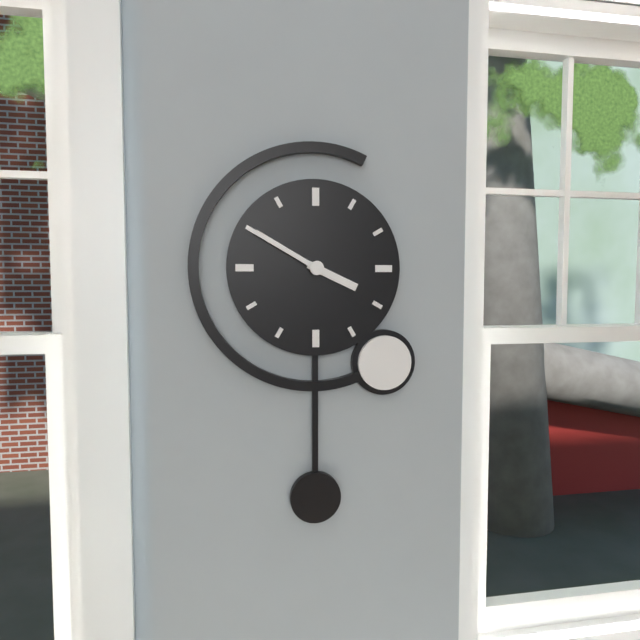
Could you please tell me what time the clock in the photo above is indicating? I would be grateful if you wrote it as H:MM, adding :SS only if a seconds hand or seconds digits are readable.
3:50
